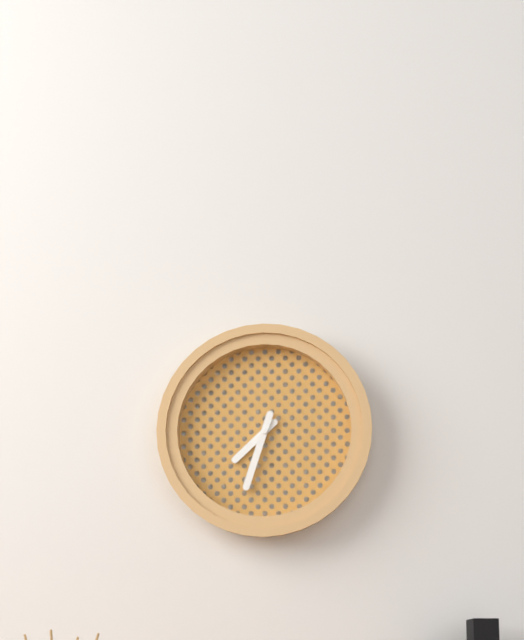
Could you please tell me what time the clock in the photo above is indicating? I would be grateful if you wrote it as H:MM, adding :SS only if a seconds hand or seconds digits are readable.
7:33
